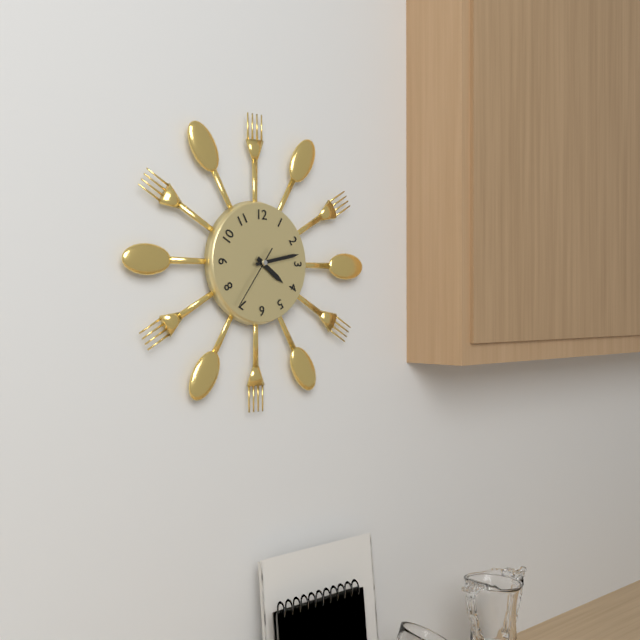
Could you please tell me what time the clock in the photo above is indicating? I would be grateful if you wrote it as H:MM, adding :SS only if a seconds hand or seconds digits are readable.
4:13:36
